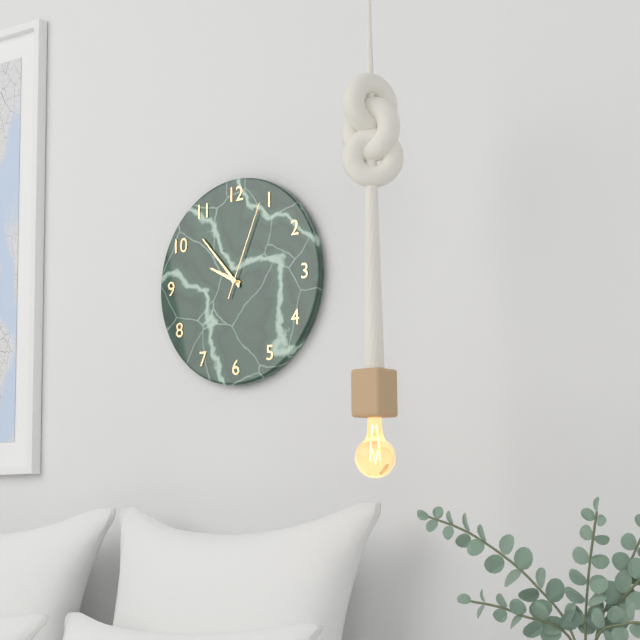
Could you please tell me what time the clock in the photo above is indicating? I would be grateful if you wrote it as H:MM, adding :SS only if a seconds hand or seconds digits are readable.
9:53:04
